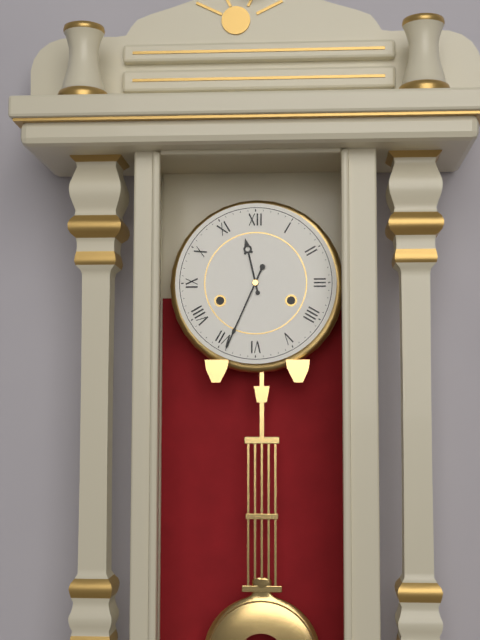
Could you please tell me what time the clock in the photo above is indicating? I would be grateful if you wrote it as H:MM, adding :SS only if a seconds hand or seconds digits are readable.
11:34
